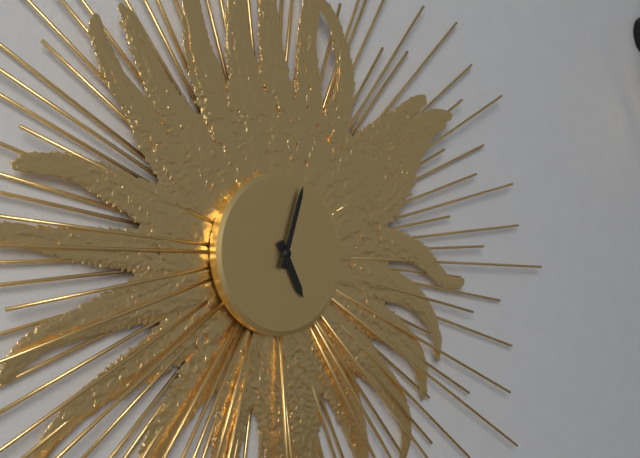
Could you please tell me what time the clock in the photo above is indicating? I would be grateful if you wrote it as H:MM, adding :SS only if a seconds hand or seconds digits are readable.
5:03
